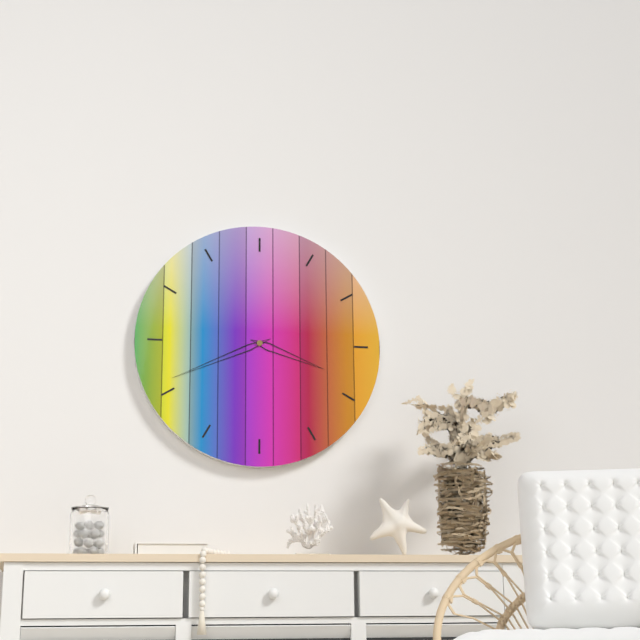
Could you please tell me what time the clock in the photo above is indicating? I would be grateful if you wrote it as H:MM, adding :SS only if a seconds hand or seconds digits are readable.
3:41
